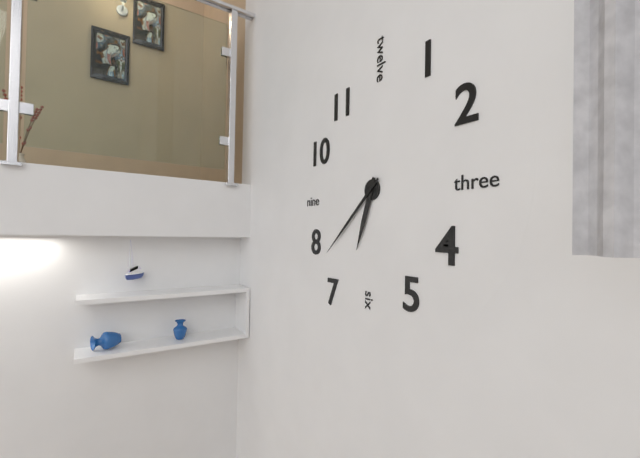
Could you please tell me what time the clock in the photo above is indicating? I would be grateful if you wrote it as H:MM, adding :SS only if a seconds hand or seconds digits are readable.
6:38
